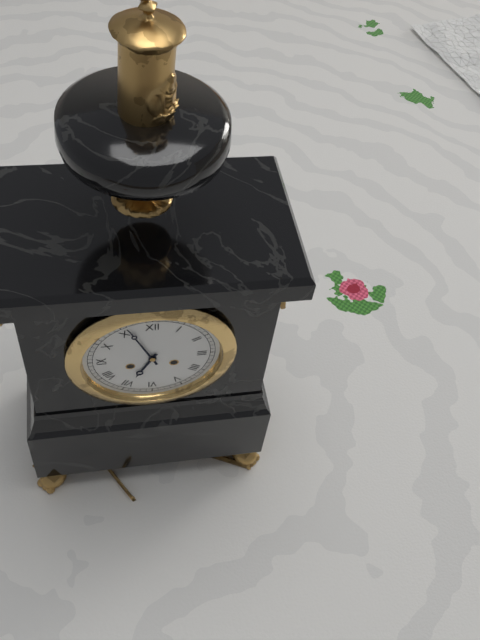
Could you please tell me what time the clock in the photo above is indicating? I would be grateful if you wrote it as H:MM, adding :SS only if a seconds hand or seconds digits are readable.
6:56
